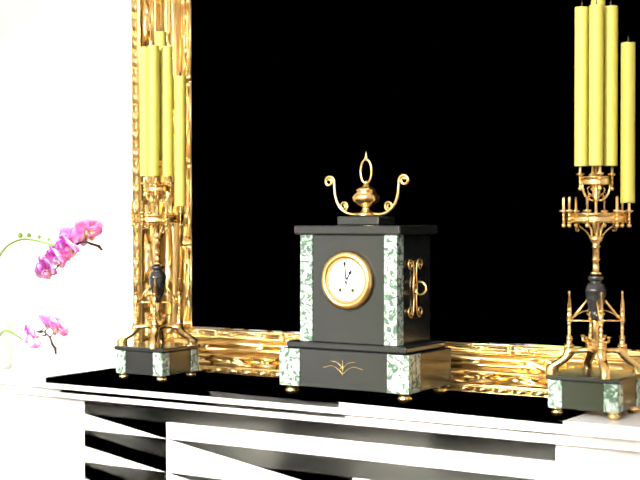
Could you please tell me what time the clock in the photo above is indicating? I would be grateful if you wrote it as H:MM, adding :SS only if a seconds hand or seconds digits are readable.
12:59
